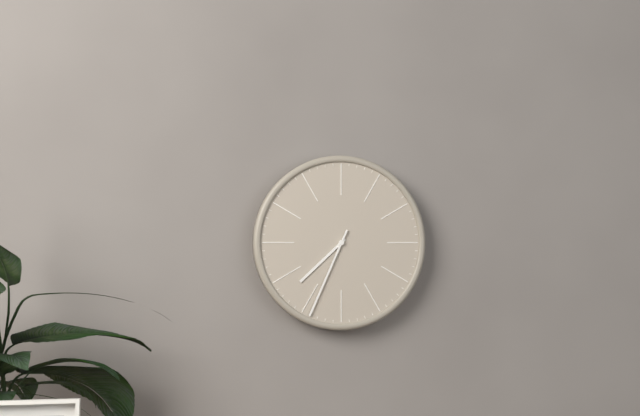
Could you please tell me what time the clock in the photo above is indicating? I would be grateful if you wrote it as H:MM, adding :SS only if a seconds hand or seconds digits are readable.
7:34
